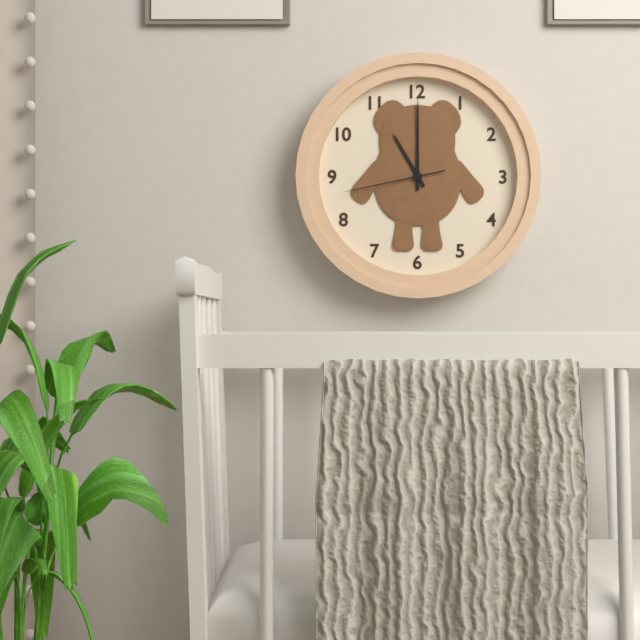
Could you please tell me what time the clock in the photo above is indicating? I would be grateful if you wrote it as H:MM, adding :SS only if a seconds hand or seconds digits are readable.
11:00:43
